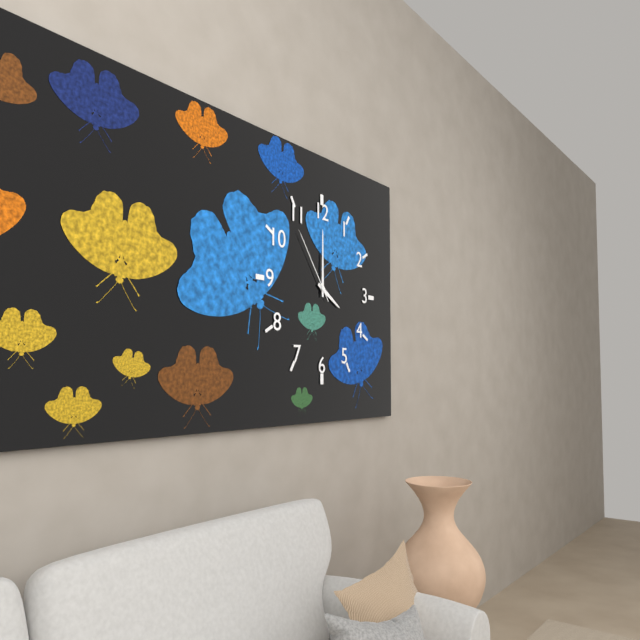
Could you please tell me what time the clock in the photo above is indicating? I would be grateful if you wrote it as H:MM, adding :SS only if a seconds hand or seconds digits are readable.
4:00:54
